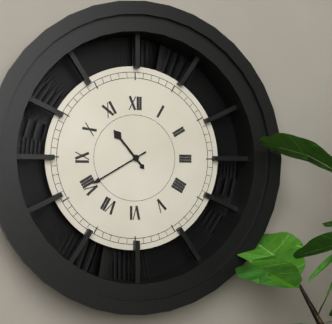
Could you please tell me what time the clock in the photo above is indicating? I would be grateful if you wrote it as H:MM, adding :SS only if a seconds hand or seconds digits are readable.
10:40
